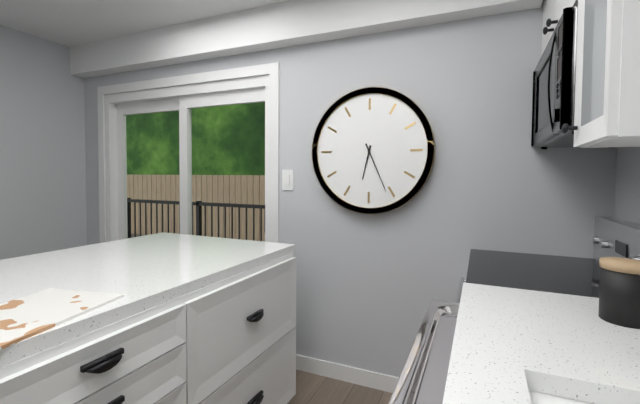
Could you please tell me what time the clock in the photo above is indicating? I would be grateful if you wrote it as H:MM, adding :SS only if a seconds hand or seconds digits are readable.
6:26
